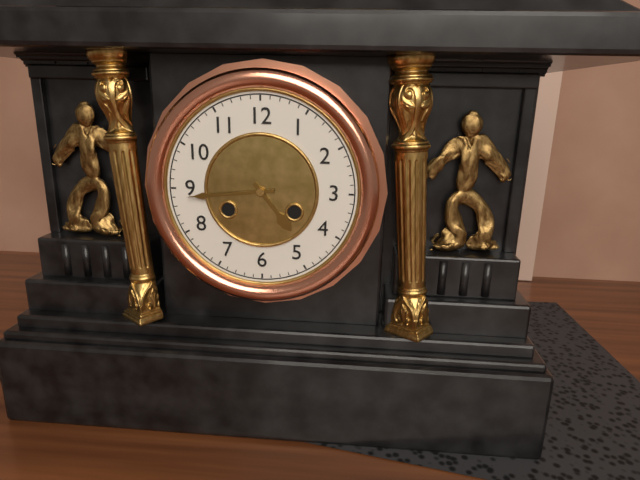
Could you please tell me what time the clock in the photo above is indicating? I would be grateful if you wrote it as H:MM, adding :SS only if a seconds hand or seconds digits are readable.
4:44
